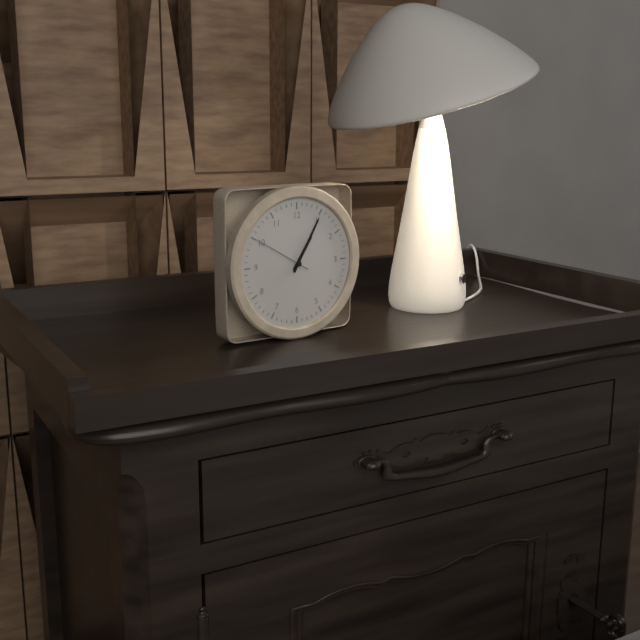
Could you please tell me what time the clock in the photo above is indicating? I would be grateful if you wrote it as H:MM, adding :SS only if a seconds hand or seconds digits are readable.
1:05:50
